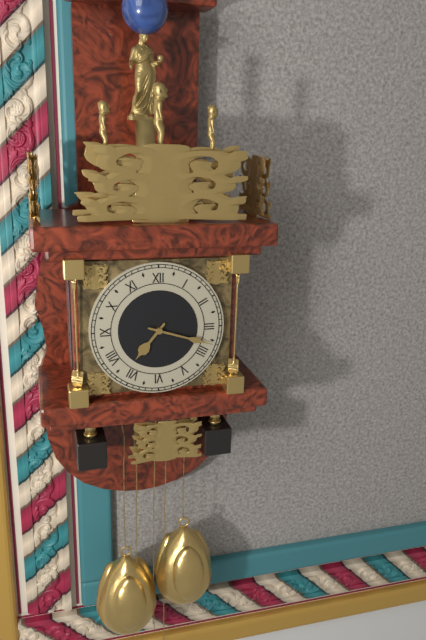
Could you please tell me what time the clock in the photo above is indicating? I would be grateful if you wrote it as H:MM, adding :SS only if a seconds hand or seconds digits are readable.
7:18
